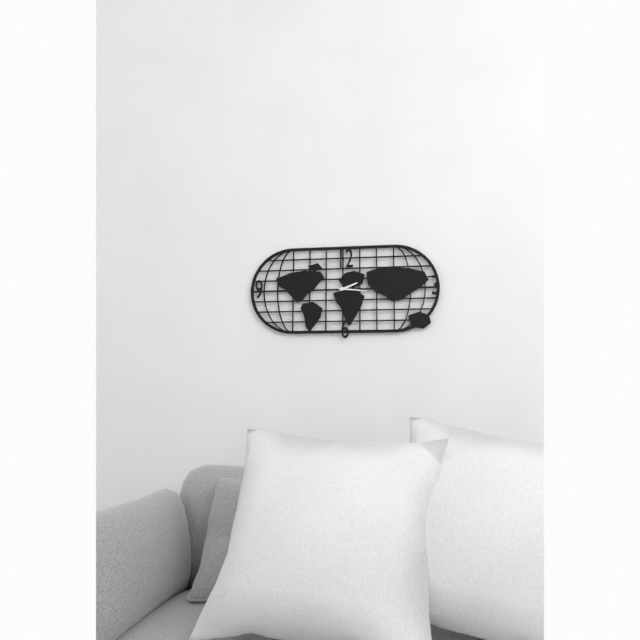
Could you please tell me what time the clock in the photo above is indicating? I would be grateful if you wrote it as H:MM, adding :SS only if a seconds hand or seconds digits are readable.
2:16
